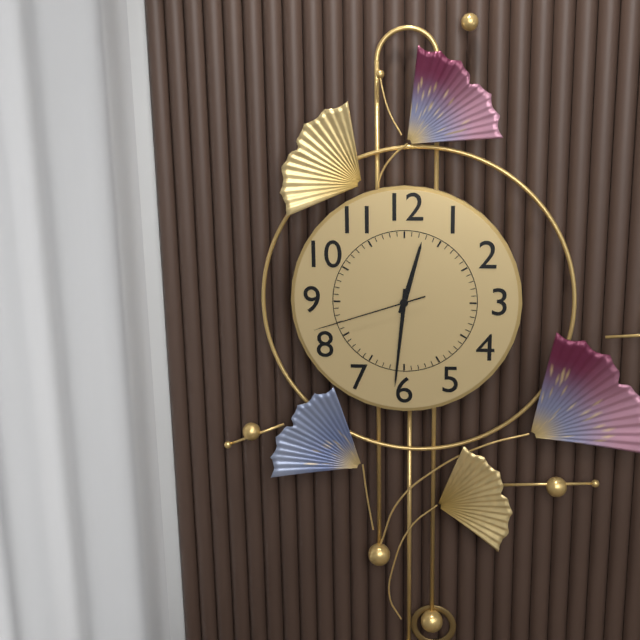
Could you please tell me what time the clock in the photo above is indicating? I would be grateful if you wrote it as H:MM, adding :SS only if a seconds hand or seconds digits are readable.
12:31:42
